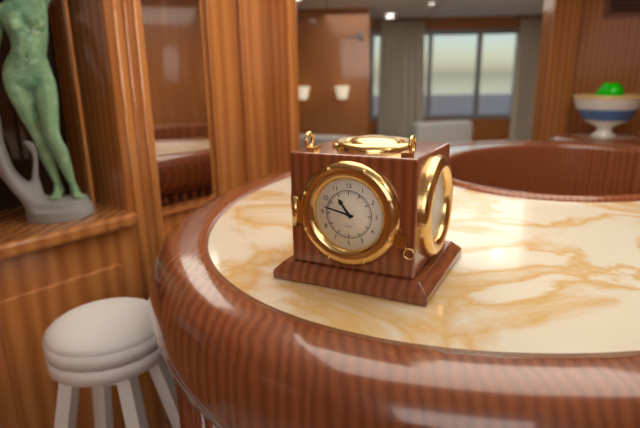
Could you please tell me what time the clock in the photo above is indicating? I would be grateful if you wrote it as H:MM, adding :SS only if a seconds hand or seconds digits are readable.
10:47
